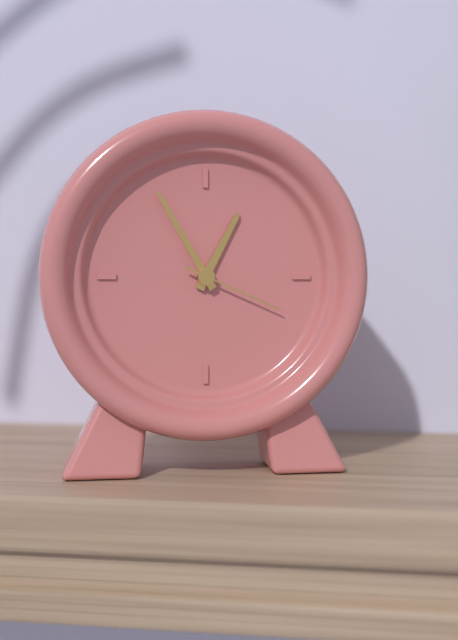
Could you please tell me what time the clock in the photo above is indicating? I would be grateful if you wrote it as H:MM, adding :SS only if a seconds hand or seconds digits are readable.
12:55:19
